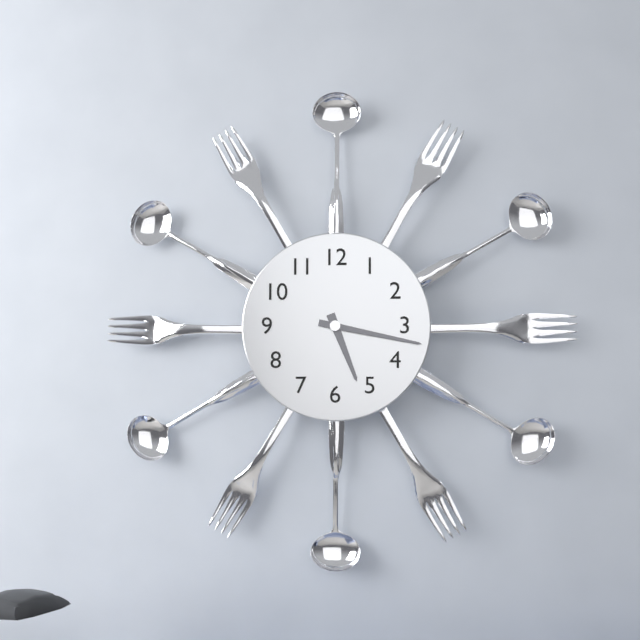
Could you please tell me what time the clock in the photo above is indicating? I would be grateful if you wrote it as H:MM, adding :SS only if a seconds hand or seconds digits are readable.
5:17
